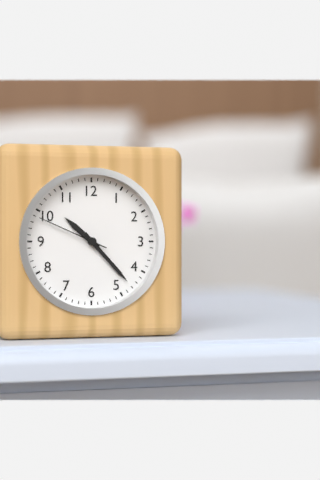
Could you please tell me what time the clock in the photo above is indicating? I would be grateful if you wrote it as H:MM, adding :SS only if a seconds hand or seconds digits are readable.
10:23:49
